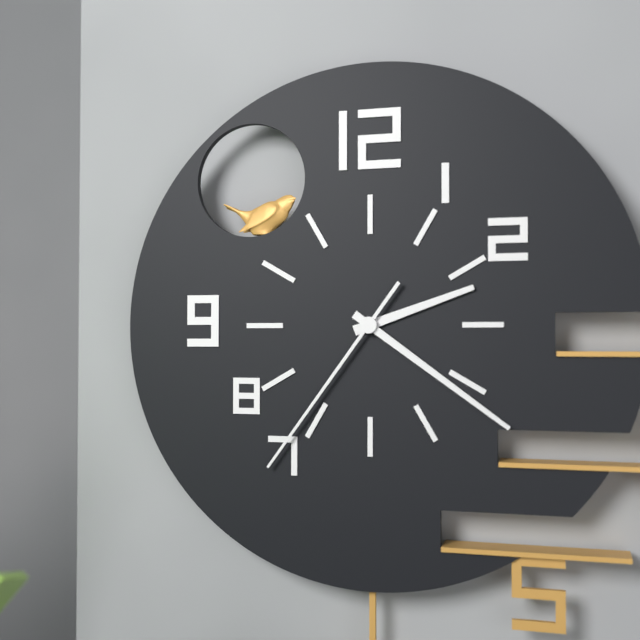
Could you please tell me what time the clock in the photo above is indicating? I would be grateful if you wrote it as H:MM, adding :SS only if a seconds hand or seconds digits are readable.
2:21:36
